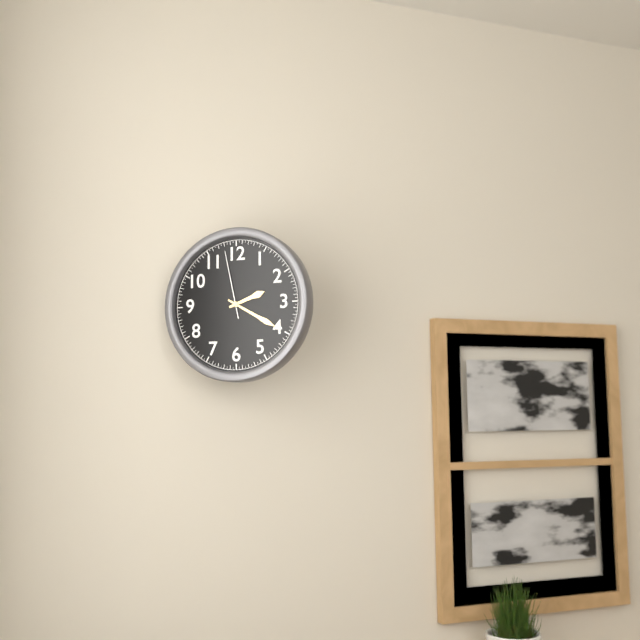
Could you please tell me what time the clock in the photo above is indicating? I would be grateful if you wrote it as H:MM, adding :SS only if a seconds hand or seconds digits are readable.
2:20:58
